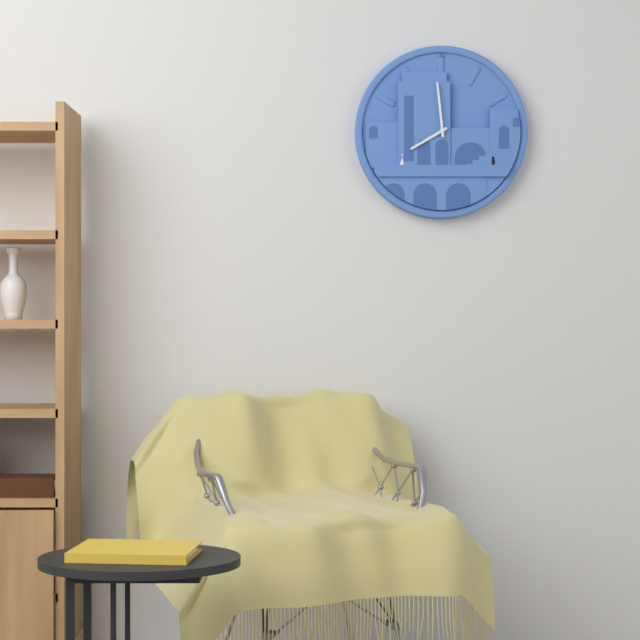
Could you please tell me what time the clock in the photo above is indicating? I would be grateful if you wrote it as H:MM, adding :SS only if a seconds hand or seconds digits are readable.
7:59
